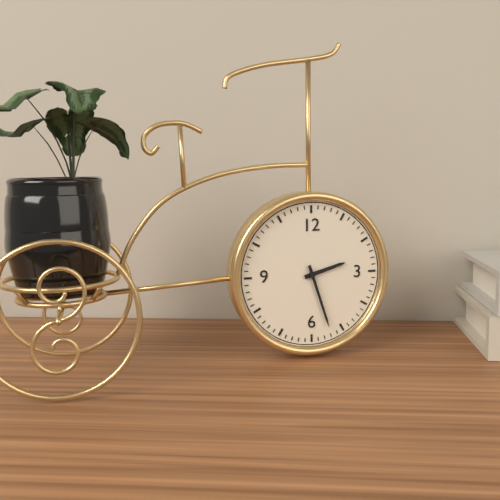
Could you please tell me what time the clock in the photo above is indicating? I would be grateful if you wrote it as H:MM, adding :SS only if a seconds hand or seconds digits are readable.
2:27
